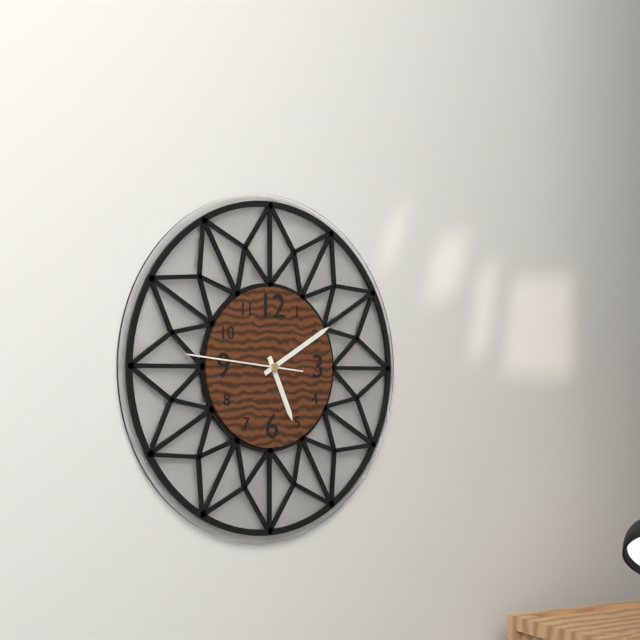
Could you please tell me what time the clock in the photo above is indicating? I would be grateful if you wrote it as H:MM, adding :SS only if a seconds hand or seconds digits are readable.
5:10:46
